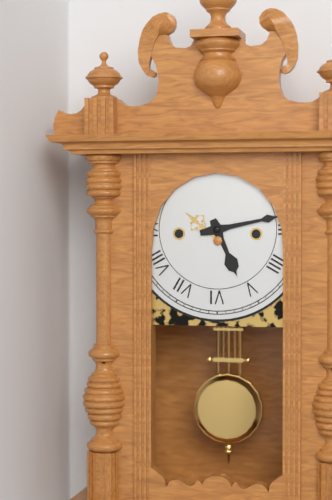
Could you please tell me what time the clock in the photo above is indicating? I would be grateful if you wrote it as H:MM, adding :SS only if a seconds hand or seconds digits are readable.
5:13
